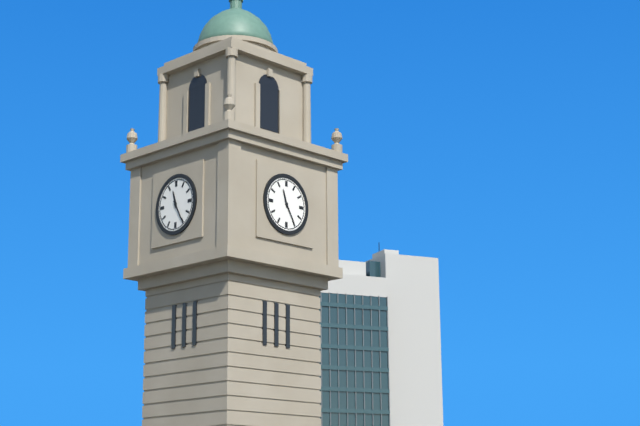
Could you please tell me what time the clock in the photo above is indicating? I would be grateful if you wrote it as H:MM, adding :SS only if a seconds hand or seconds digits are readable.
11:25
